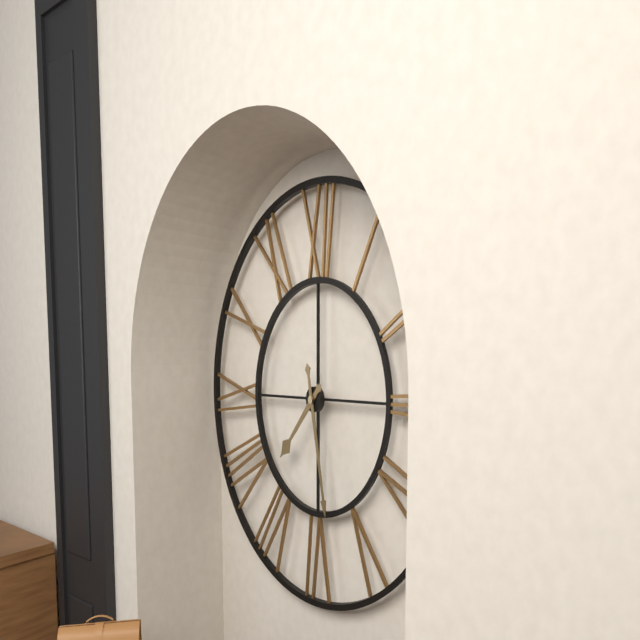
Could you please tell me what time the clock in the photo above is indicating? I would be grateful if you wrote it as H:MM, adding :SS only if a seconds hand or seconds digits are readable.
7:28
